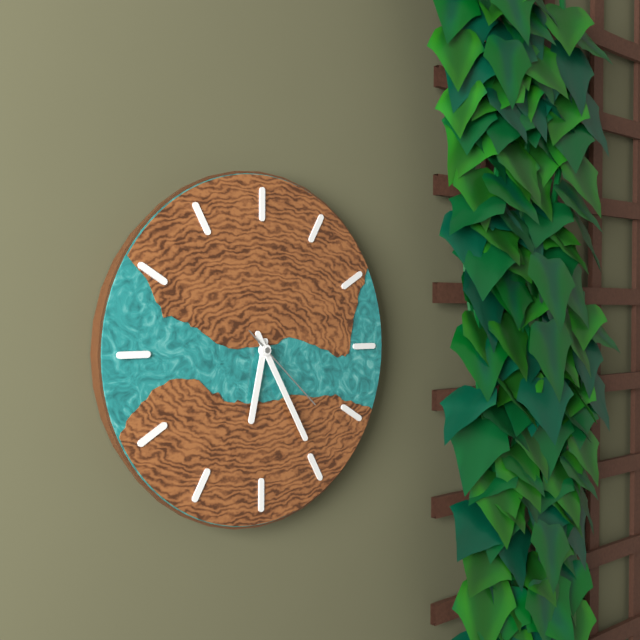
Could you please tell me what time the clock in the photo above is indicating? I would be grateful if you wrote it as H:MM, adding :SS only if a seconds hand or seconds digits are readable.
6:25:22
